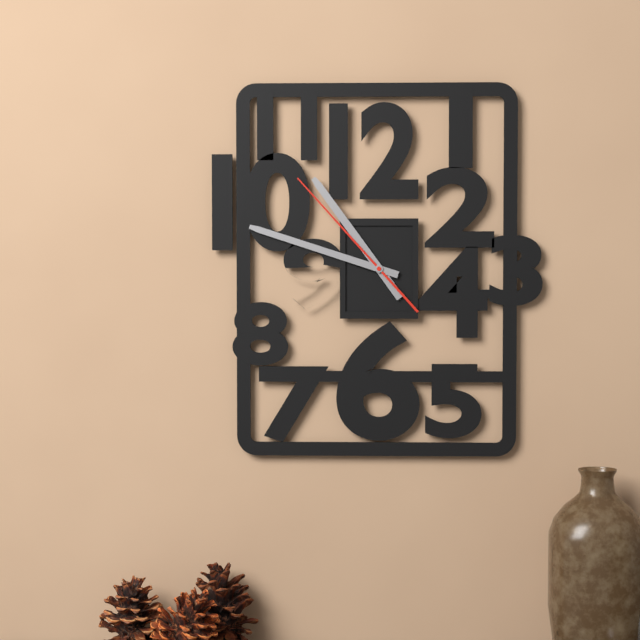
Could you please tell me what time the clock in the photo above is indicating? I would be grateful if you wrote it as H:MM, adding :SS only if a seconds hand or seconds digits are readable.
10:48:53
